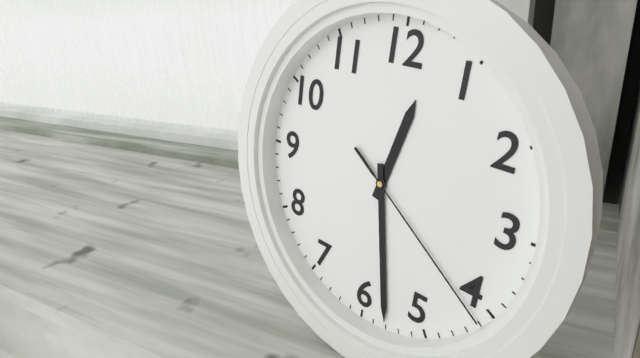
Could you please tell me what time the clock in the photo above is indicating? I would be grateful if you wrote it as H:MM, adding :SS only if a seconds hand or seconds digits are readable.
12:28:21
